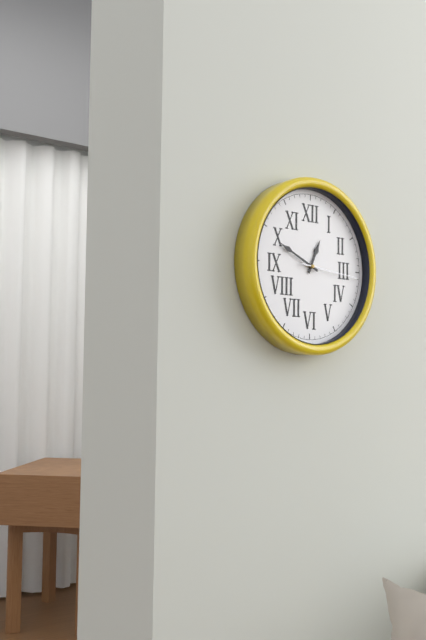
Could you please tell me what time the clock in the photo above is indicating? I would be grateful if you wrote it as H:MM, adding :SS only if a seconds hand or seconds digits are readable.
12:49:16
